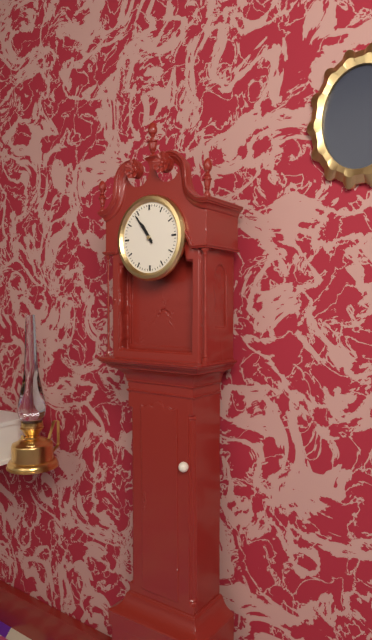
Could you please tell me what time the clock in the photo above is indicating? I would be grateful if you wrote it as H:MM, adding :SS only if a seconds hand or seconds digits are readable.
10:54
